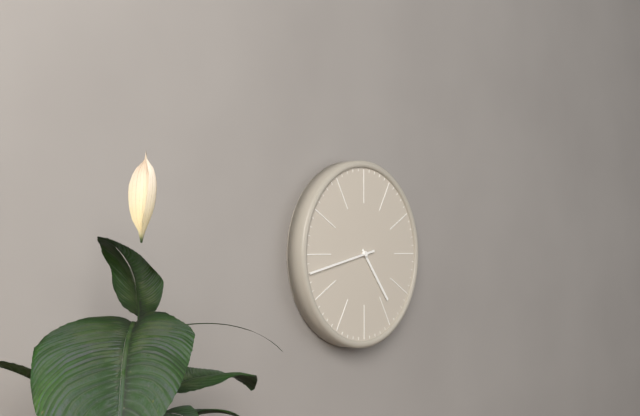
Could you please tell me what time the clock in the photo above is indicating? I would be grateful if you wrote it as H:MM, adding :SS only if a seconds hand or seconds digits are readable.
4:43
